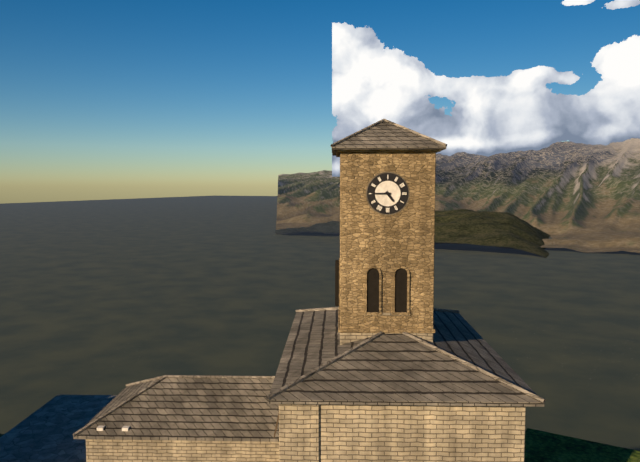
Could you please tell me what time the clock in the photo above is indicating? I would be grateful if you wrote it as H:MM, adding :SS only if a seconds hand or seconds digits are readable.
4:45
